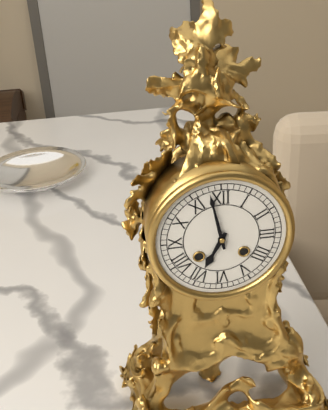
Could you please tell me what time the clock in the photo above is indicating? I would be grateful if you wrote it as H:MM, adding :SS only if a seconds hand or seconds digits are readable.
6:58
